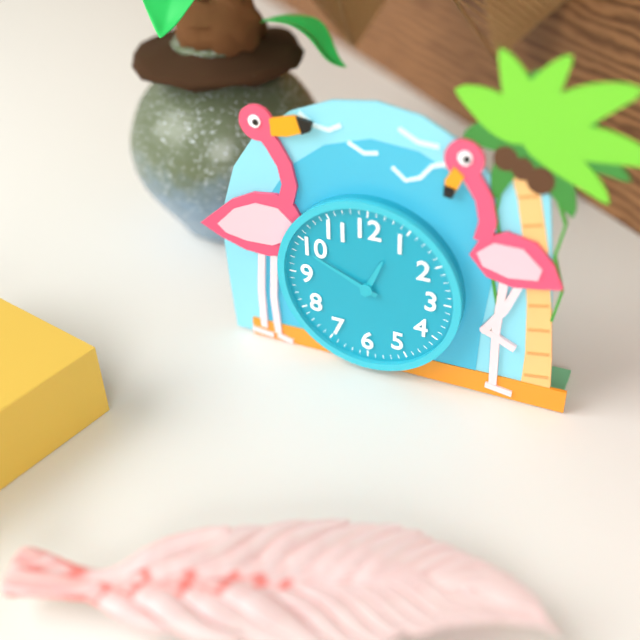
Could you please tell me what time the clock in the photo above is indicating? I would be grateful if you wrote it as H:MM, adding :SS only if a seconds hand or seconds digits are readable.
12:49
